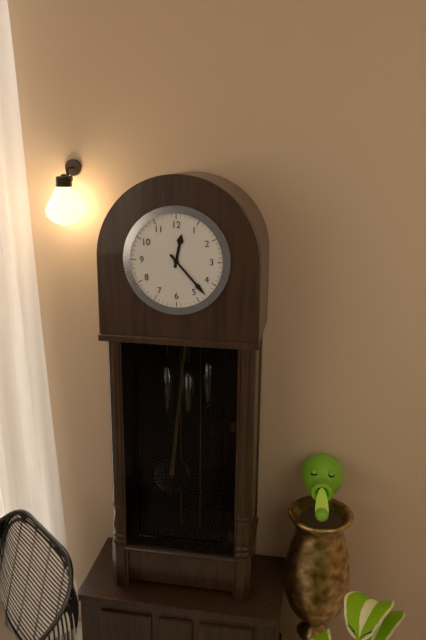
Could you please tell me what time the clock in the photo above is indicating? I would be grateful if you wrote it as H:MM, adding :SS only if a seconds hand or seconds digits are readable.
12:23
